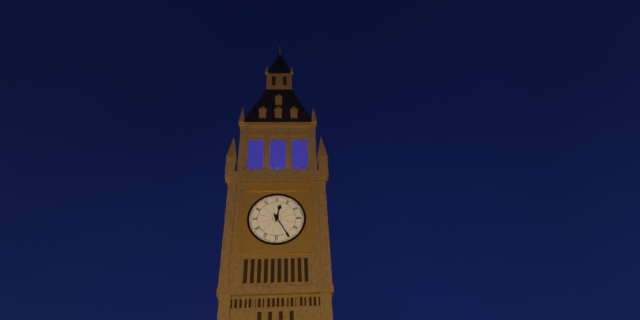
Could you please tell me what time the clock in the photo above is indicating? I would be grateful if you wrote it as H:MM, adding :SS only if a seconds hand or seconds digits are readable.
12:25
